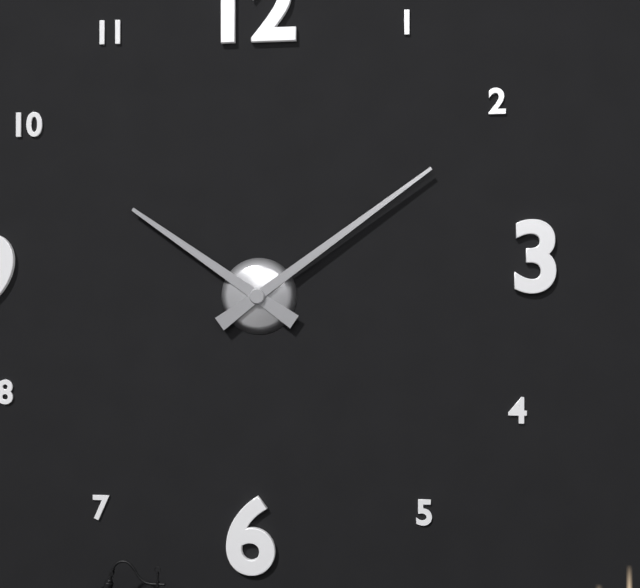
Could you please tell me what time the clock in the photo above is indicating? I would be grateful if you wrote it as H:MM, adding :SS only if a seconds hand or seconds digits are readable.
10:09
